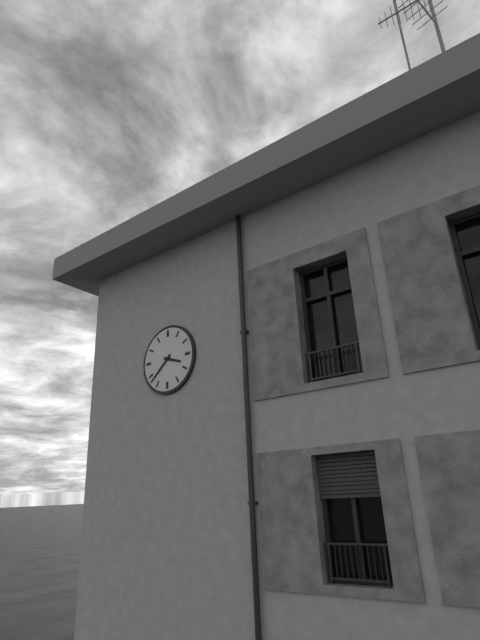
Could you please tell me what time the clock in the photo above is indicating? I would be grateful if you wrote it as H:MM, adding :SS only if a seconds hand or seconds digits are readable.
3:38
